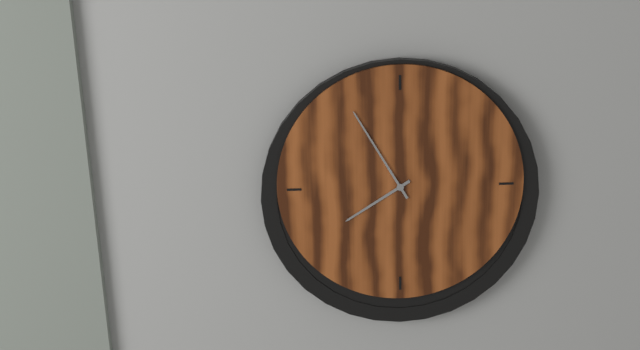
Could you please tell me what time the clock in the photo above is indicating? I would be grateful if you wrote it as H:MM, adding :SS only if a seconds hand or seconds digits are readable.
7:55
